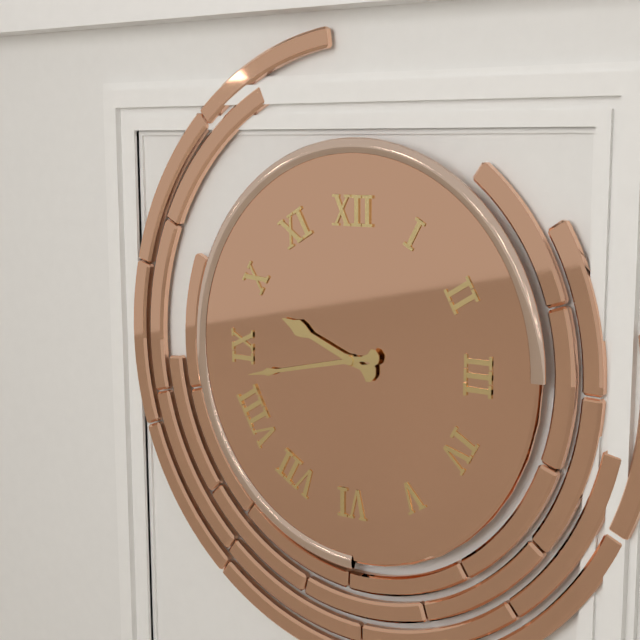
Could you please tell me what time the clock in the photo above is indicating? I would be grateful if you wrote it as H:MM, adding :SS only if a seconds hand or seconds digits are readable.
9:43
